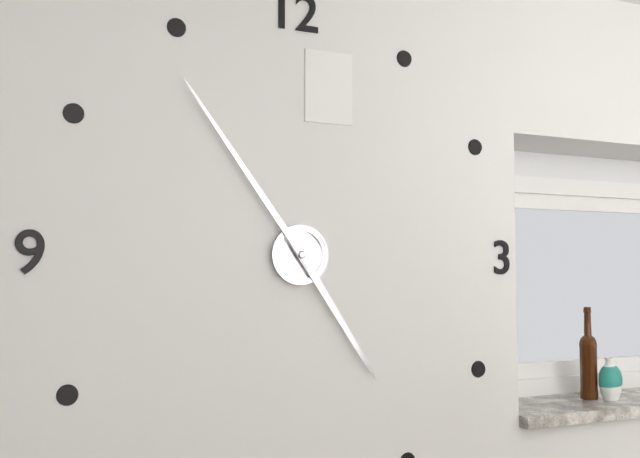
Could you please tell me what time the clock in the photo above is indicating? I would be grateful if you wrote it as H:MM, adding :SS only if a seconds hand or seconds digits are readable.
4:54
